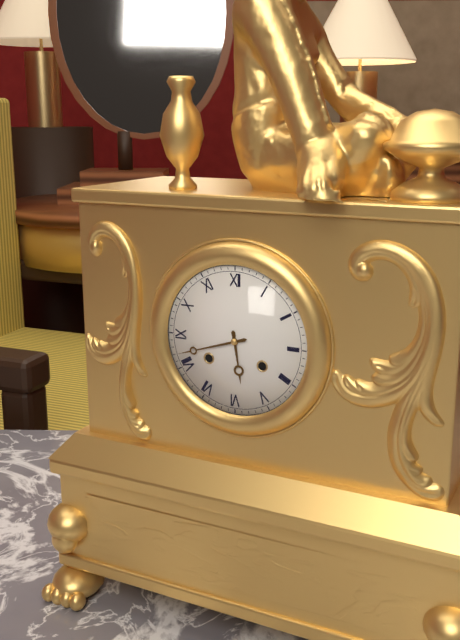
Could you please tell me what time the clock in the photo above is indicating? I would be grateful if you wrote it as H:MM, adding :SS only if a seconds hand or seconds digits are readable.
5:42
